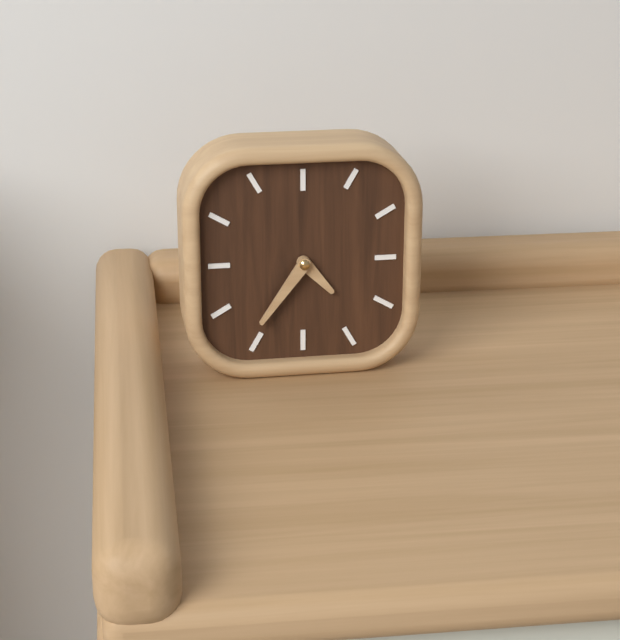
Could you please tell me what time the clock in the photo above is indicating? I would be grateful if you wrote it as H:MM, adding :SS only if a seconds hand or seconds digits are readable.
4:36
